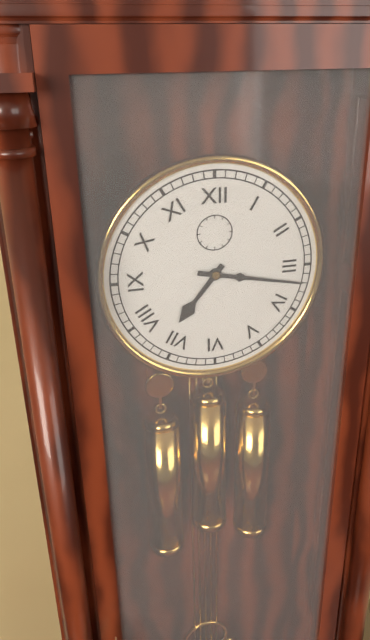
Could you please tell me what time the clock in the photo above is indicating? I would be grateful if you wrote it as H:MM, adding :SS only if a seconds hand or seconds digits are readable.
7:17
